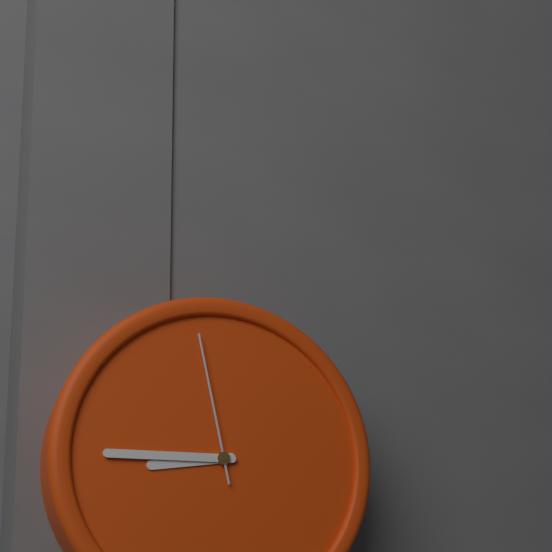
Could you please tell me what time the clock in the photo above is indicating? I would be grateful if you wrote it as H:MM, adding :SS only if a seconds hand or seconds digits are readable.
8:45:58
